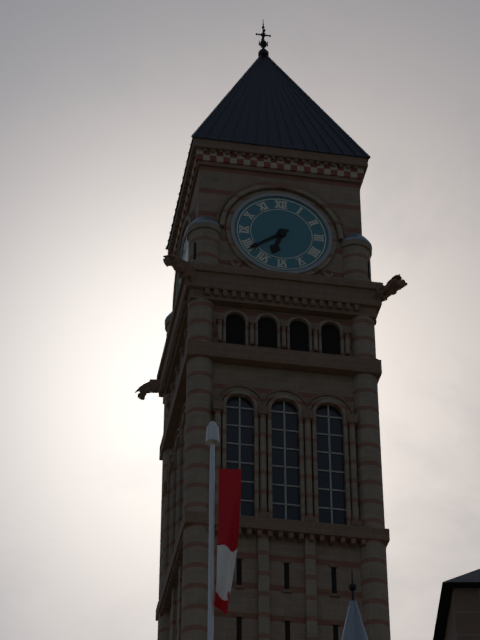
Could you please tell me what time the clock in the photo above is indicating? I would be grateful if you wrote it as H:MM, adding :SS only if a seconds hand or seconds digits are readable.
6:39
